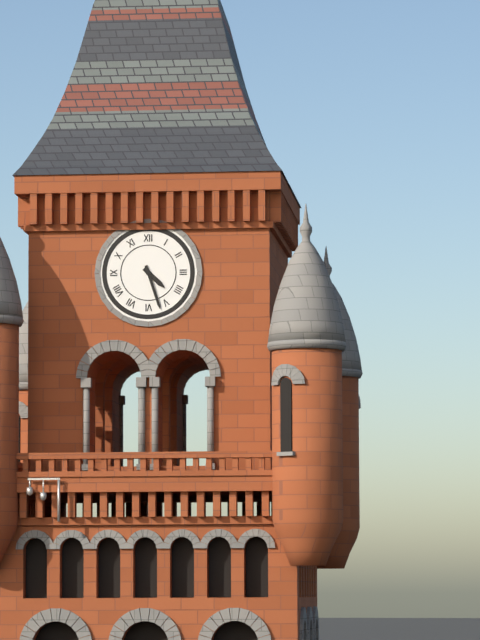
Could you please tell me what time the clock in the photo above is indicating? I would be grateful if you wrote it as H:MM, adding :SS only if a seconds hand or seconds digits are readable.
4:27
